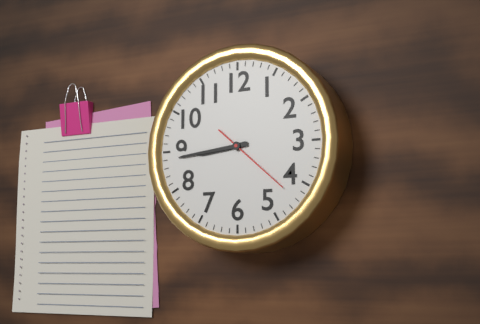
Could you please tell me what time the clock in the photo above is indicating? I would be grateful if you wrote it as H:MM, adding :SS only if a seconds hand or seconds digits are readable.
8:44:22
